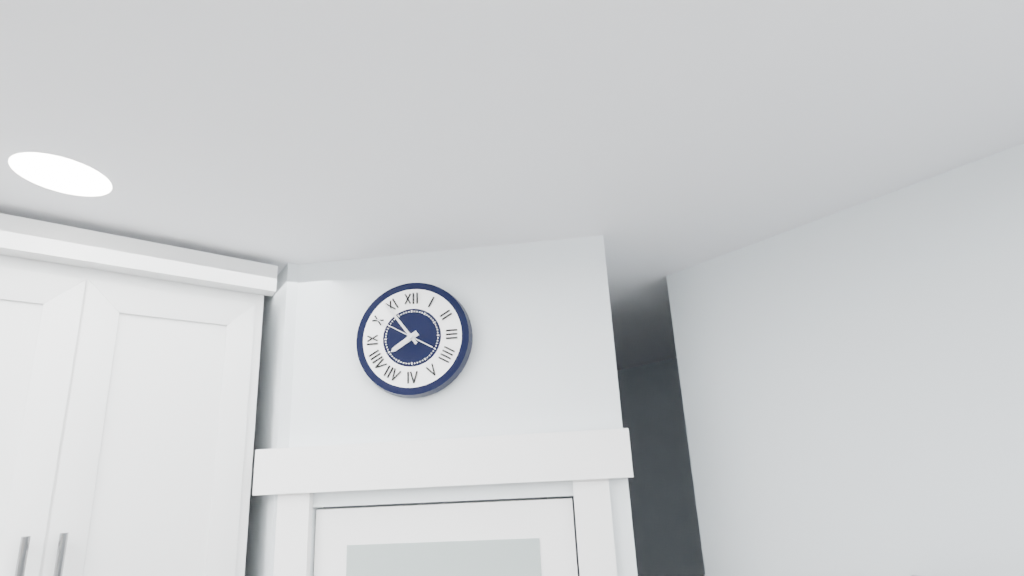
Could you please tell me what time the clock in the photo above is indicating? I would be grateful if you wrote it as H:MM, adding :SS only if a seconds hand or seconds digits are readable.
7:54:50
